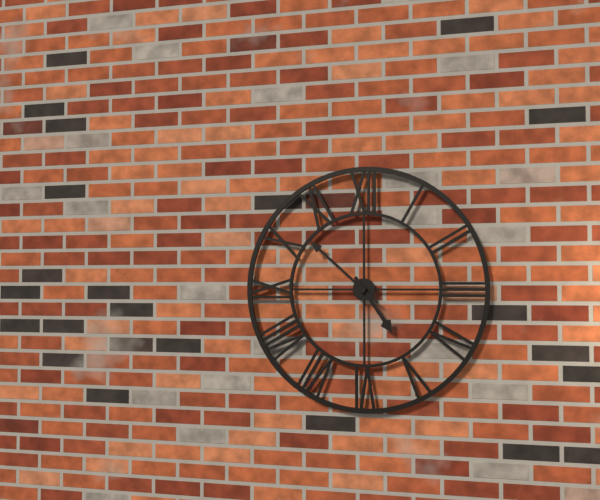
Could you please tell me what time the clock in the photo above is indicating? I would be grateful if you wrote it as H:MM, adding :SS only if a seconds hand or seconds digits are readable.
4:52
